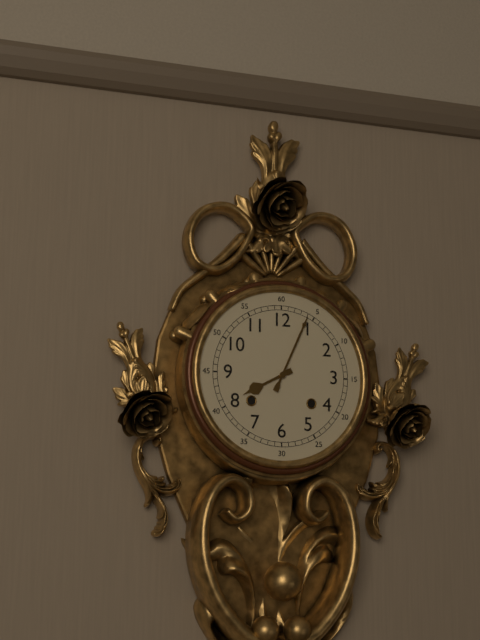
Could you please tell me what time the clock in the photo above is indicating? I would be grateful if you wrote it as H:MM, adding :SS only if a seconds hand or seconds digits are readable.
8:04
